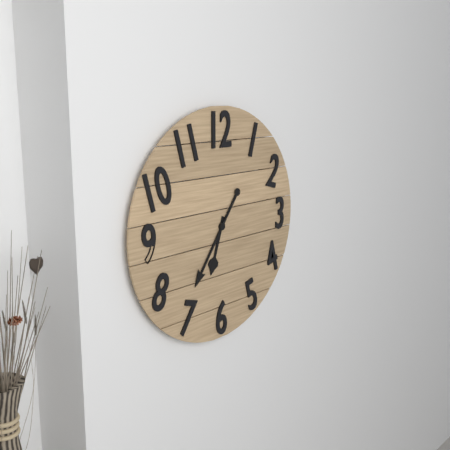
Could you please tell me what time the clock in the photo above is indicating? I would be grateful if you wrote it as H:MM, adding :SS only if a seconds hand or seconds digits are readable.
6:36
